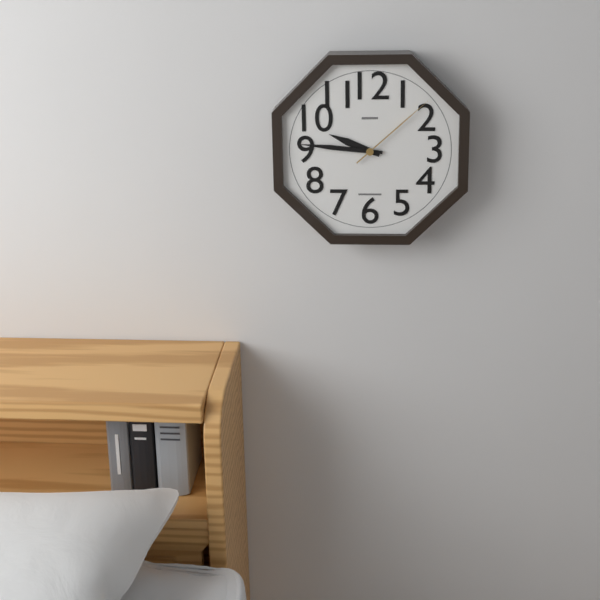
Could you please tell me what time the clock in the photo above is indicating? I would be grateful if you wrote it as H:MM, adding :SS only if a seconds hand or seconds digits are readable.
9:46:08
